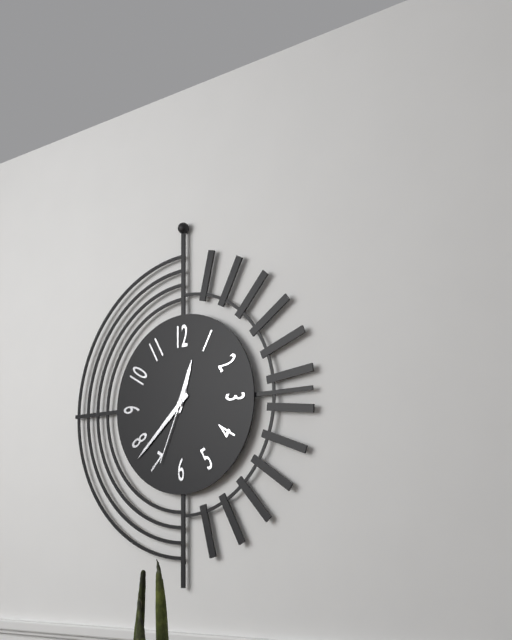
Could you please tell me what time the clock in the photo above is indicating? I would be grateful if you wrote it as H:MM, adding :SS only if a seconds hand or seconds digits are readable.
12:38:34
